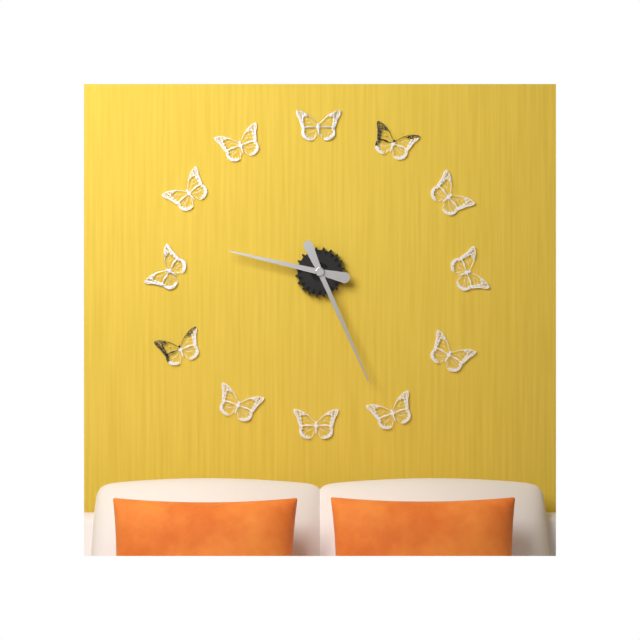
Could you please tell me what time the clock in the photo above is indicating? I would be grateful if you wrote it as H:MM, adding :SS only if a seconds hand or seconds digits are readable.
9:26
